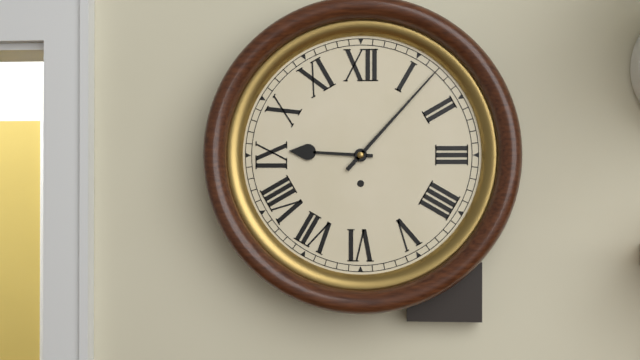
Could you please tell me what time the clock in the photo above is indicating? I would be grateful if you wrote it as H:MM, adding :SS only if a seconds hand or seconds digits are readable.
9:07
